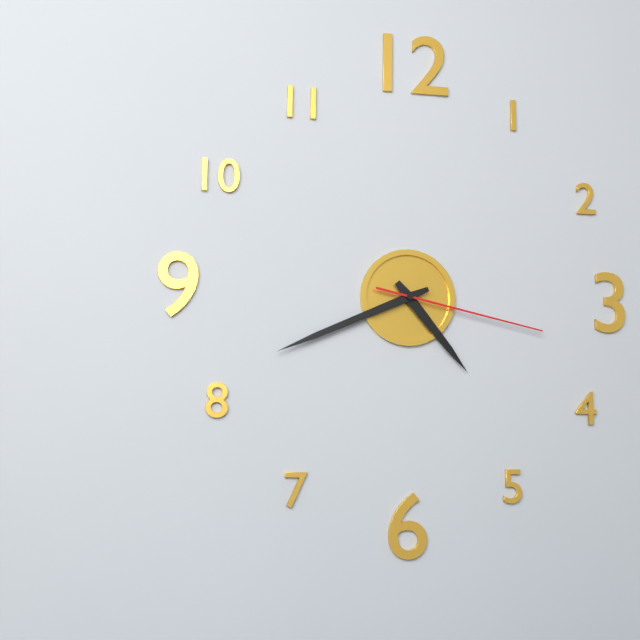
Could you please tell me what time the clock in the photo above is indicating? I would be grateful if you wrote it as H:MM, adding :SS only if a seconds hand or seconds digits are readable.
4:41:17
